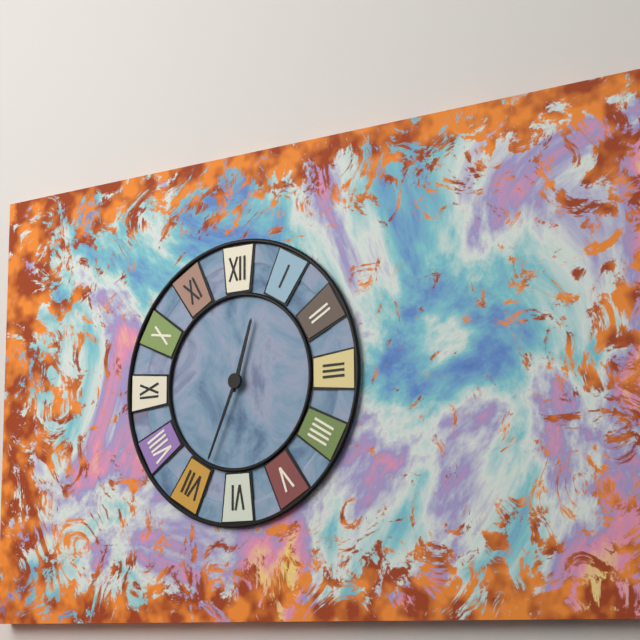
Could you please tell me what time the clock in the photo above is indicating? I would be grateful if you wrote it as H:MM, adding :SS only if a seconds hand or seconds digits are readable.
12:34
